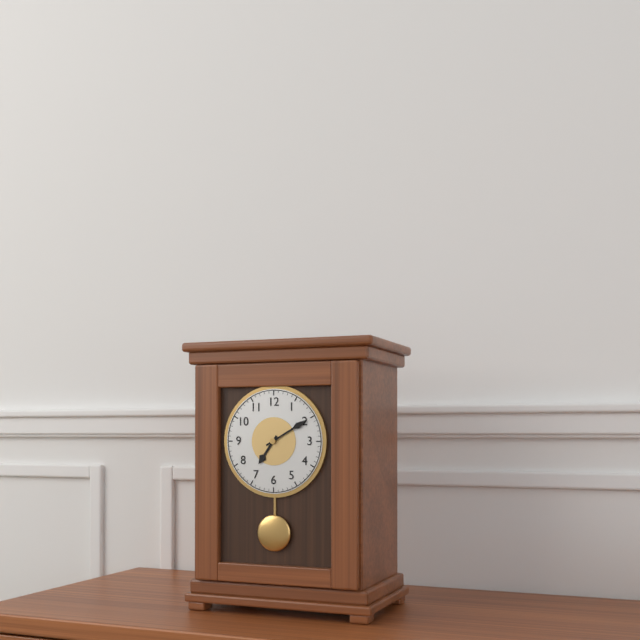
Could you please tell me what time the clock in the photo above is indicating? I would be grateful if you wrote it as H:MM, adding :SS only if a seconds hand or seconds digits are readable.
7:10
